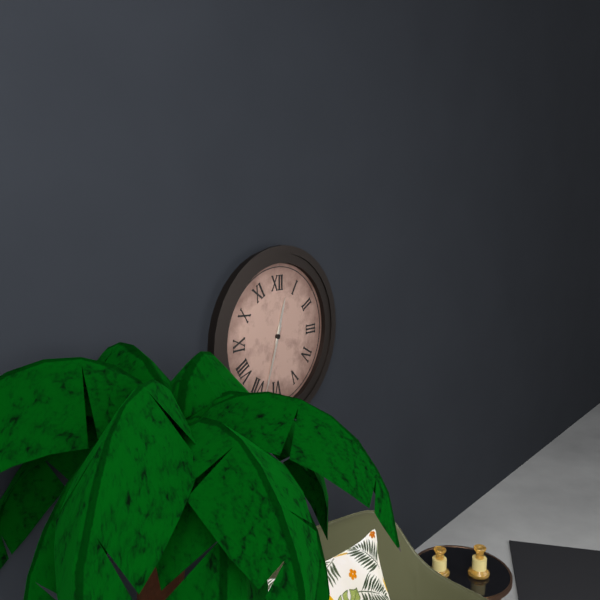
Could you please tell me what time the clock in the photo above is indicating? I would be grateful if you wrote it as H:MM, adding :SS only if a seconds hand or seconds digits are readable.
12:33
